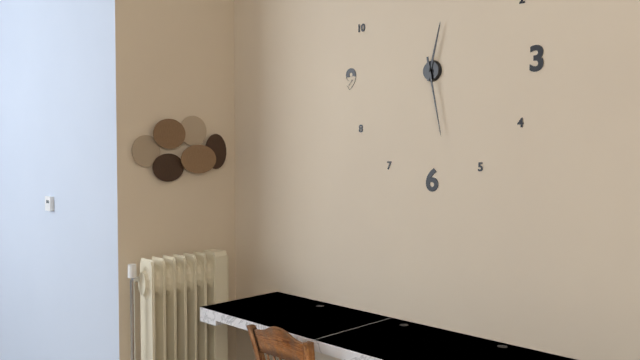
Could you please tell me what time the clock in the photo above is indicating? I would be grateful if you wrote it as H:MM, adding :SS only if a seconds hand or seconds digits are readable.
12:28
